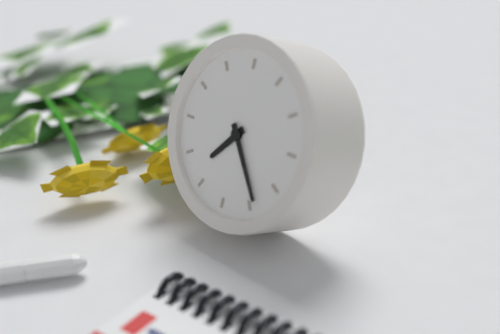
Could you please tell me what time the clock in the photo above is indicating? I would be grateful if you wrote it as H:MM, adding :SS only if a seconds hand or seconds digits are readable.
7:24
